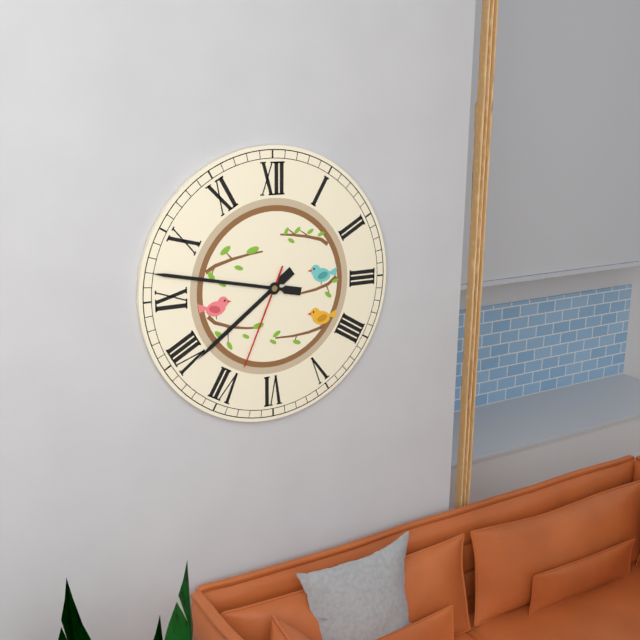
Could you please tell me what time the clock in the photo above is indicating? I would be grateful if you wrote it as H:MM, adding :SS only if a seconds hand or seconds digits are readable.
7:47:34
